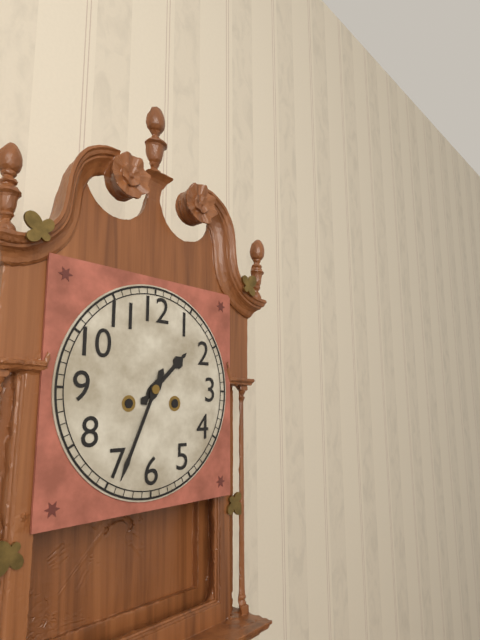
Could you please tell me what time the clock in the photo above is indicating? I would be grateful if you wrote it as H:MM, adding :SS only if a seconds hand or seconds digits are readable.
1:34
